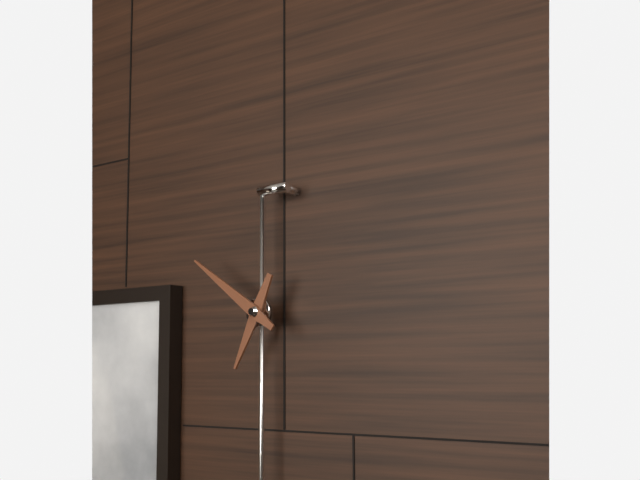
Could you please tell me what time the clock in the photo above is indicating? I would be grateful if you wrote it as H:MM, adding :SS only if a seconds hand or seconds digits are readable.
6:51
